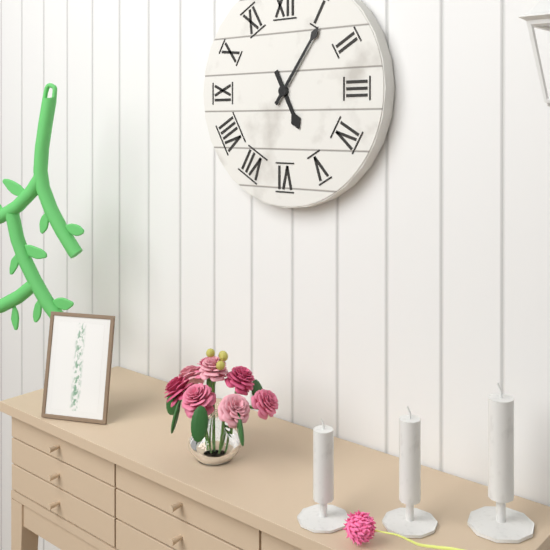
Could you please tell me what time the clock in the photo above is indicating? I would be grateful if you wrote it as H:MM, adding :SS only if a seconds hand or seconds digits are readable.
5:06
